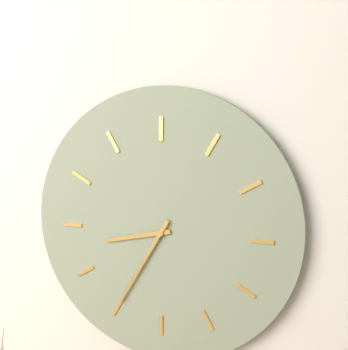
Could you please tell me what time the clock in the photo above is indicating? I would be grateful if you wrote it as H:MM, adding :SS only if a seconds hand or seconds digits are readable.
8:35
